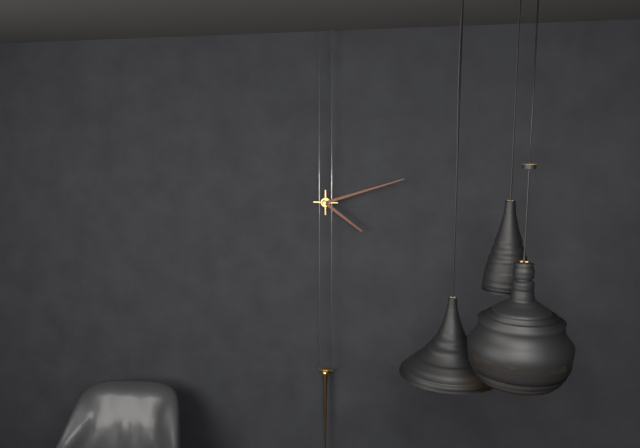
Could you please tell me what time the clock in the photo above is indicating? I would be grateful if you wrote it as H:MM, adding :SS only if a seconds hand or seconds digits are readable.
4:12
